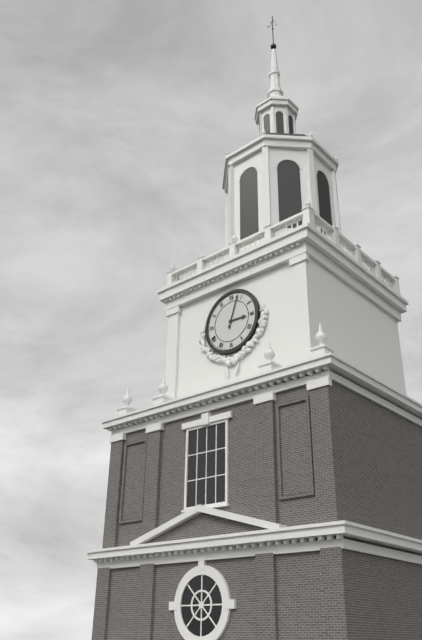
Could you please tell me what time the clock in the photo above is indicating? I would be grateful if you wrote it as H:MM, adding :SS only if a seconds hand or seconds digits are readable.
3:03
